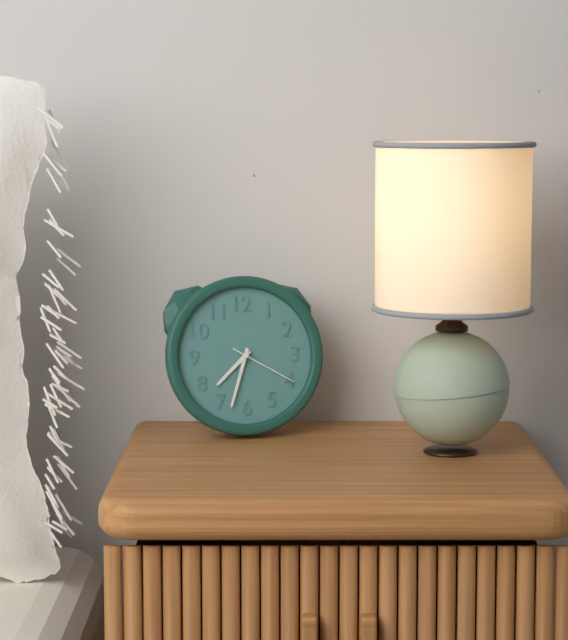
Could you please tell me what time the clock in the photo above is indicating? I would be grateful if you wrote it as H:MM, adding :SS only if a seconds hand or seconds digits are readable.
7:33:20
